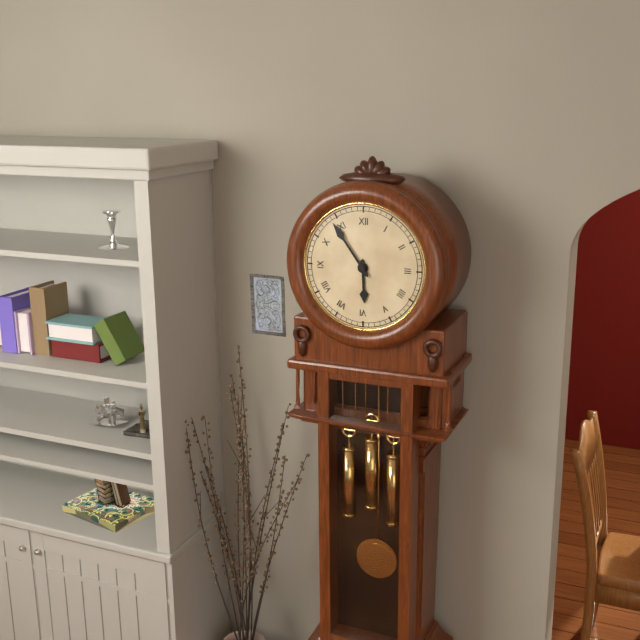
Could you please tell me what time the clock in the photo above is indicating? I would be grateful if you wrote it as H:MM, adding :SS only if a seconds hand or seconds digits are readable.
5:54
